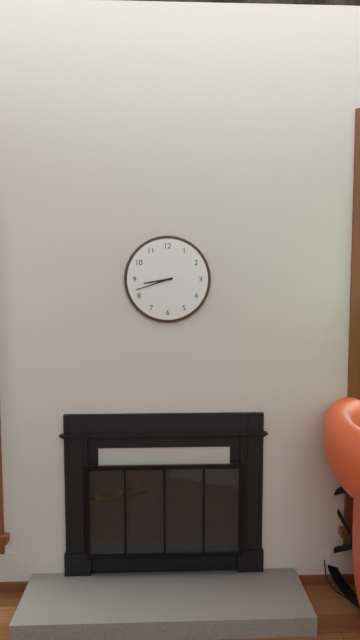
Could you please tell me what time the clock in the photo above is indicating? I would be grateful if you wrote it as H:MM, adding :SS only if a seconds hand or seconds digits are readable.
8:42
